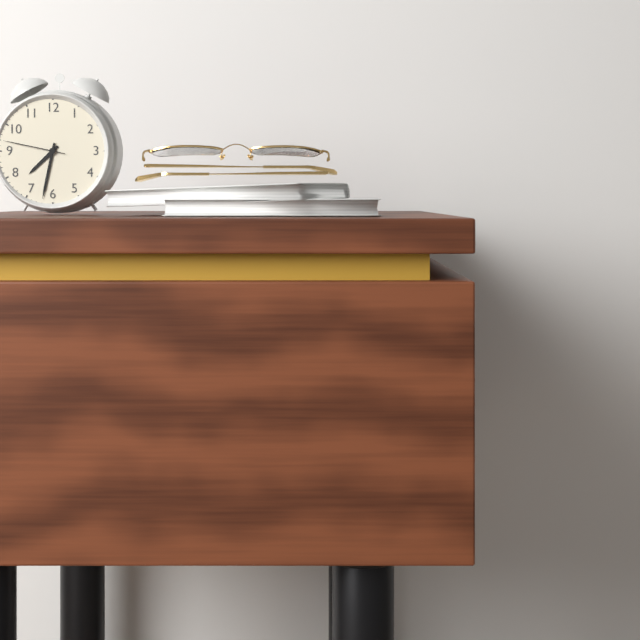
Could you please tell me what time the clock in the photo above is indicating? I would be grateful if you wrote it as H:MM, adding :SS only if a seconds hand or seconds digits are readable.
7:32:47
